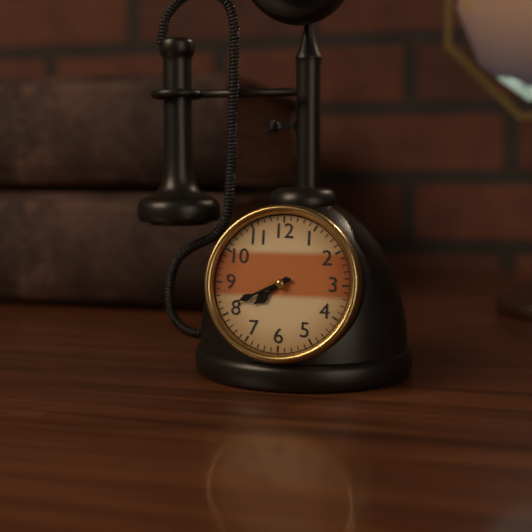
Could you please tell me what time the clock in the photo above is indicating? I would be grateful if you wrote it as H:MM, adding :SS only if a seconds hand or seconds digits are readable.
7:41
